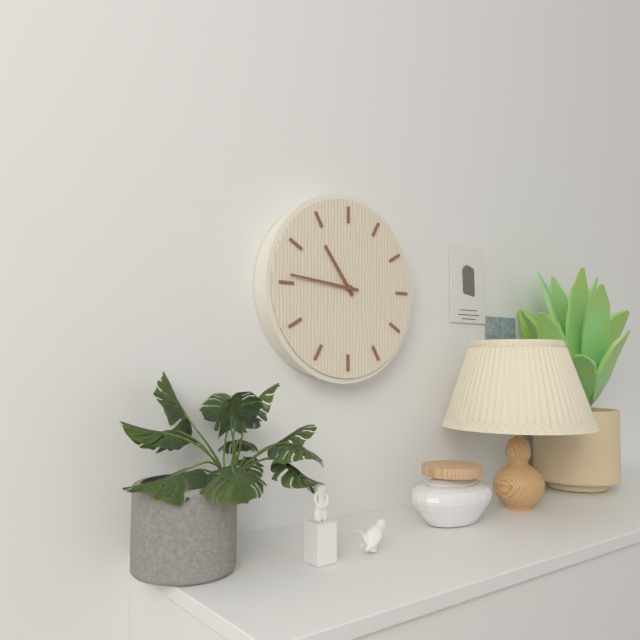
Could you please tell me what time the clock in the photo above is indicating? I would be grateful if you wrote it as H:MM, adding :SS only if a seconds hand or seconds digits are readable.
10:46
